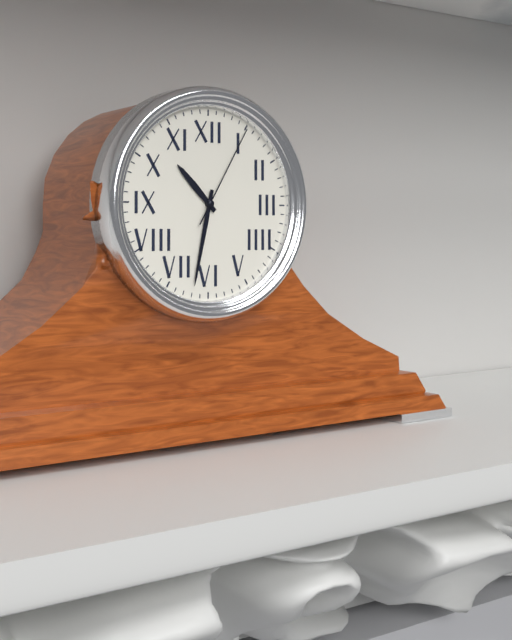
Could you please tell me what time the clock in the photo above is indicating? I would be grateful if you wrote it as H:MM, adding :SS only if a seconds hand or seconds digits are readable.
10:32:05
